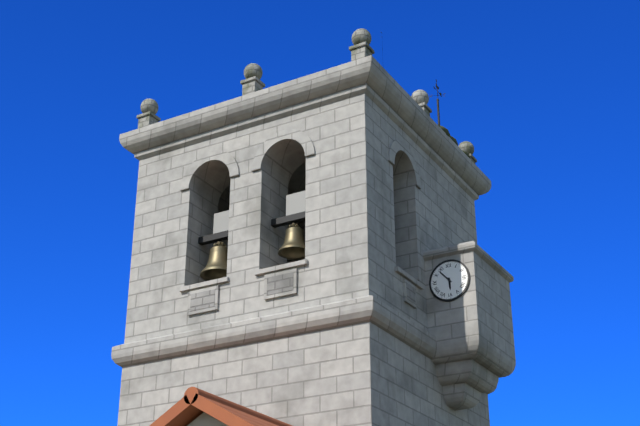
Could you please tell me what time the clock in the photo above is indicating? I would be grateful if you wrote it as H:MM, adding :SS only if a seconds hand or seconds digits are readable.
5:53
